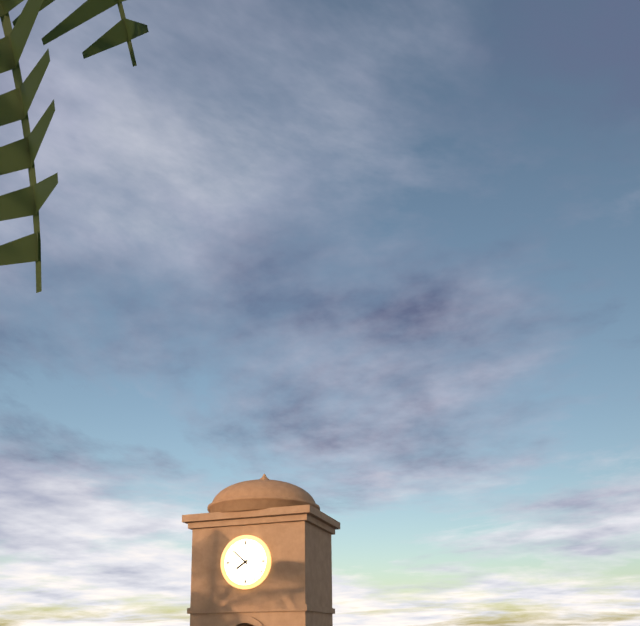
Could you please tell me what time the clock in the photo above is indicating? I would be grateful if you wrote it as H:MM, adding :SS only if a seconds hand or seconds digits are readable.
7:52
